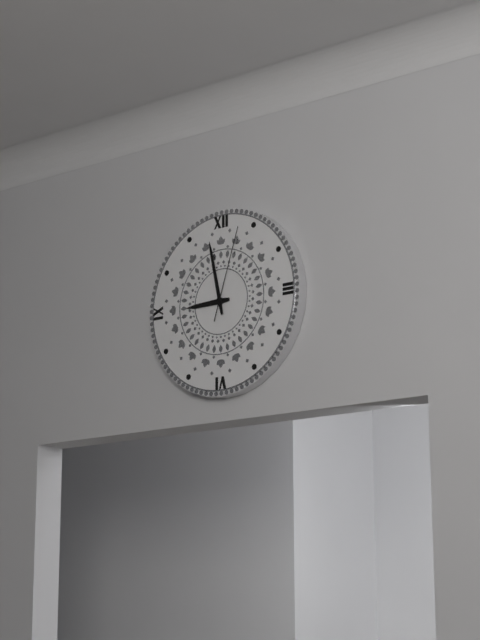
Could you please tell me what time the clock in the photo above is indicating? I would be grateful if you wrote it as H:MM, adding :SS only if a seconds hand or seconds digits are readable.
8:58:03
